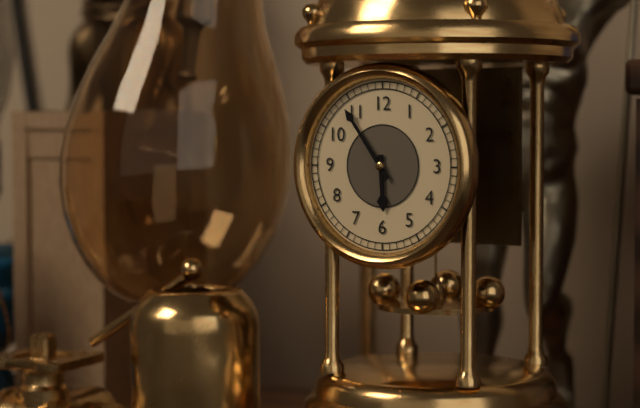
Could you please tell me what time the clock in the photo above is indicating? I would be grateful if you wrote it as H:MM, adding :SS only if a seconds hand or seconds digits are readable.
5:54
